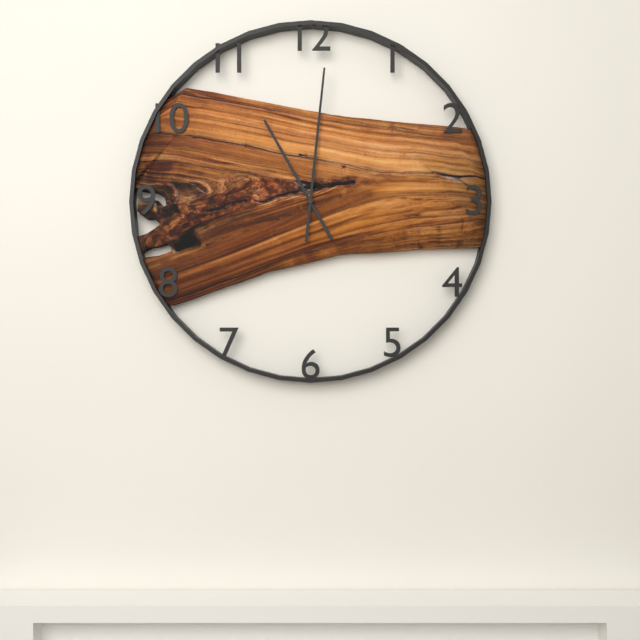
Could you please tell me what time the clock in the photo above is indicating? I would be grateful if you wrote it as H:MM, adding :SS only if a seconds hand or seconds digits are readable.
11:01
